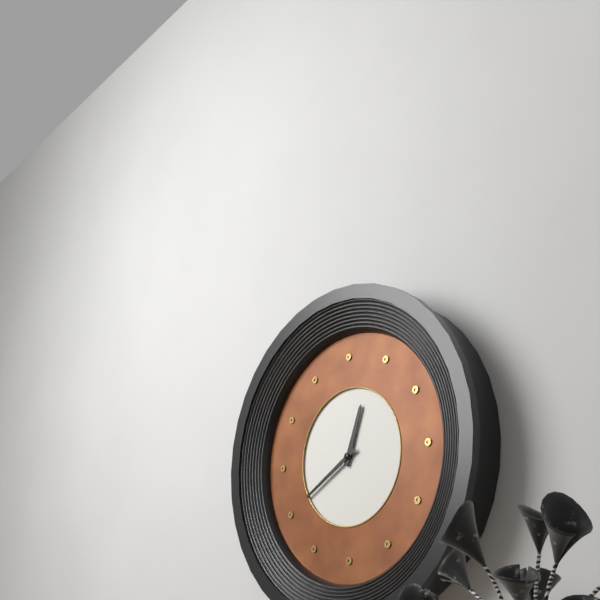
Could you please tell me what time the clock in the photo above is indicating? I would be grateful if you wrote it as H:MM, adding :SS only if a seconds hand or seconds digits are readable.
12:40
